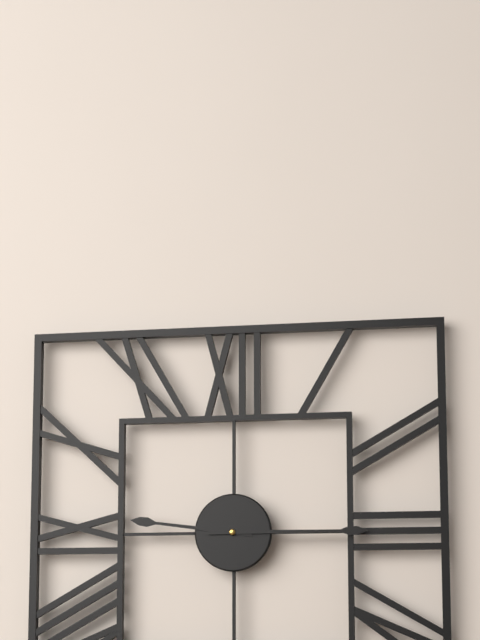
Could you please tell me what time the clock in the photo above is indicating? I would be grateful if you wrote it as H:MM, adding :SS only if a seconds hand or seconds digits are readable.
9:15
